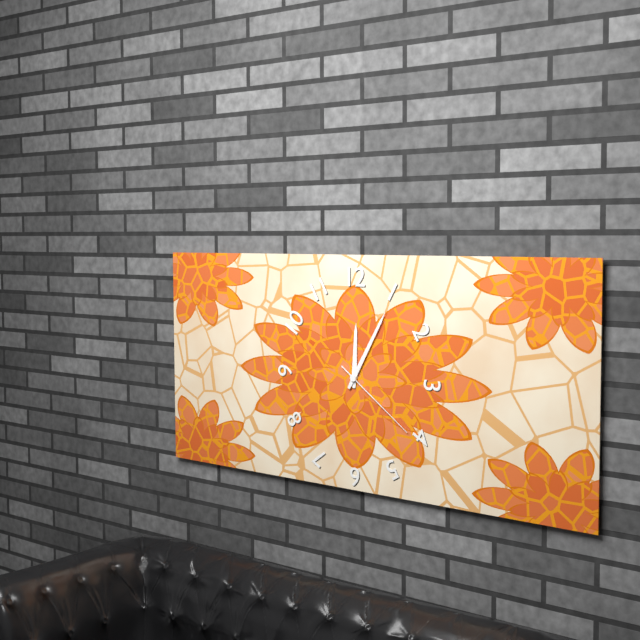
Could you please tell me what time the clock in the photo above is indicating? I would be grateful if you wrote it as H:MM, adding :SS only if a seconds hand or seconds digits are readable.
12:05:21
